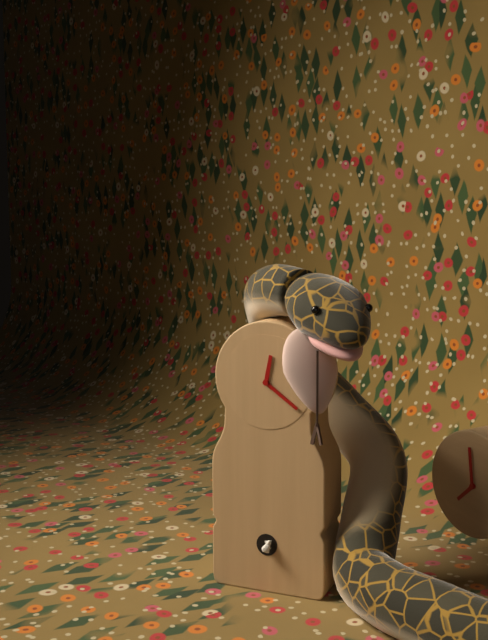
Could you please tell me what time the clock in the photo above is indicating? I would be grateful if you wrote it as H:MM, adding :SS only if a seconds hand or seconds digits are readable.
12:21
